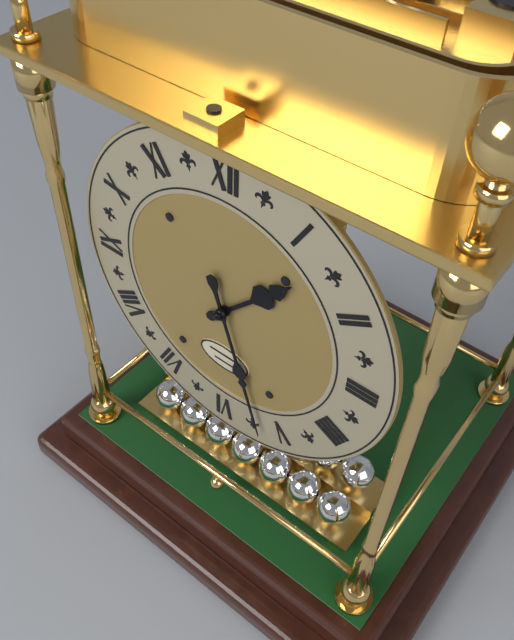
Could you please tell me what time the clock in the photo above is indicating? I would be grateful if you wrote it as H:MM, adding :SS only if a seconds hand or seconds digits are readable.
1:27
